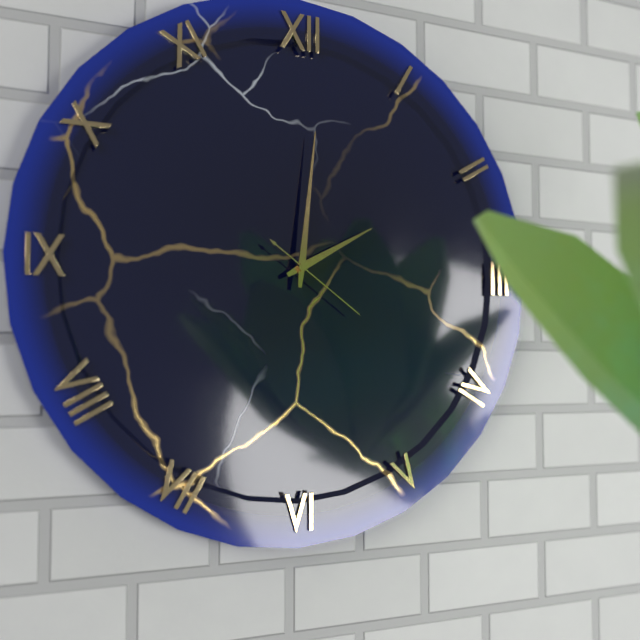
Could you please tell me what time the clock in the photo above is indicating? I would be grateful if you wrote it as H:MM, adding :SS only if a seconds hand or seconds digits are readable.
2:01:21
